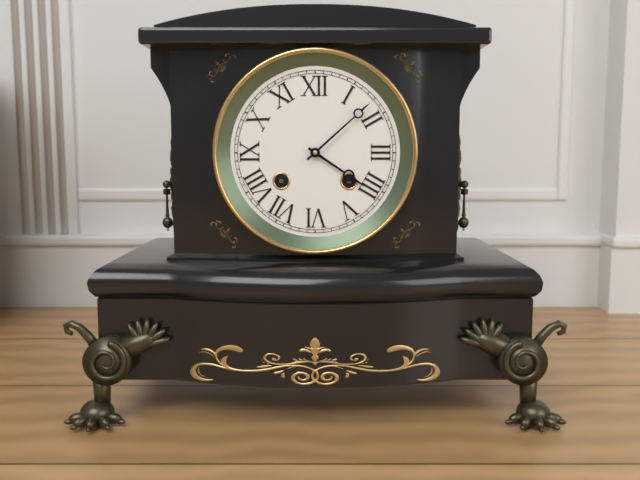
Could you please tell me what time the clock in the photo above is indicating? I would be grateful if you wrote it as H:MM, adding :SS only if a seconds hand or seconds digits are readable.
4:08
